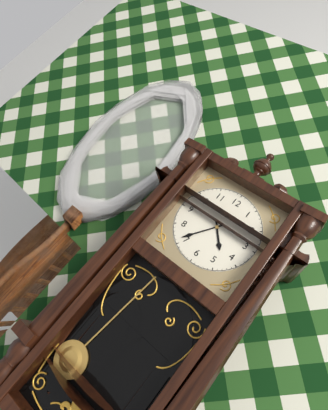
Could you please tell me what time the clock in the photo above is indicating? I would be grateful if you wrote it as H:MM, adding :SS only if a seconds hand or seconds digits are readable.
4:36
